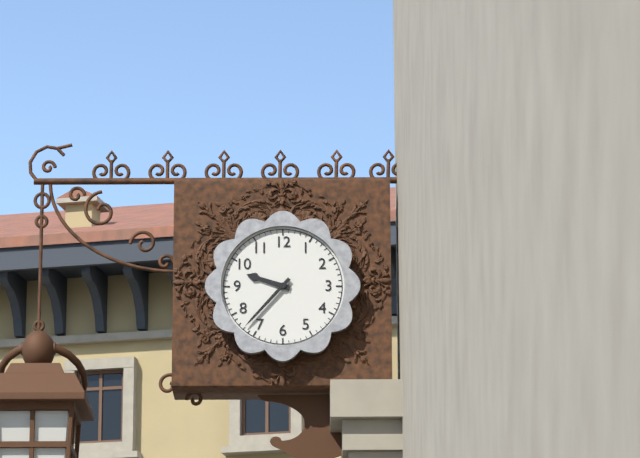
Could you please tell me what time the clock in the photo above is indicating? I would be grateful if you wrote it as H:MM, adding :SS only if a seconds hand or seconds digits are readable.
9:37
